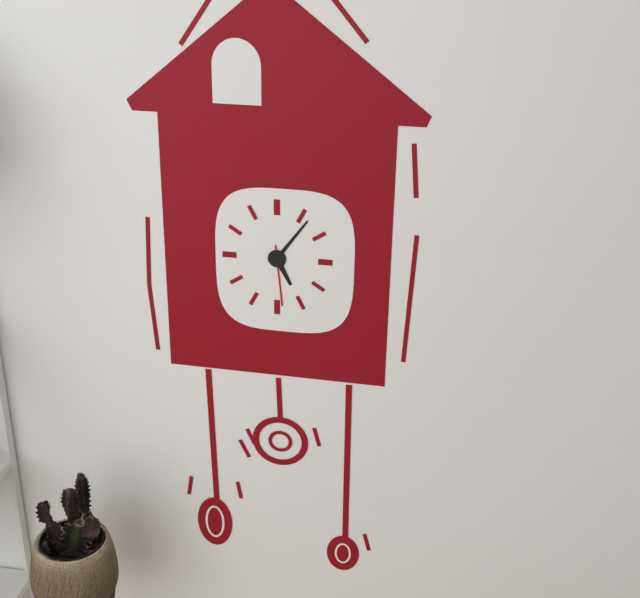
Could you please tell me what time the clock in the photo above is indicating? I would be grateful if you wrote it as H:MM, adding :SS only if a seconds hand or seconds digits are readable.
5:06:29
